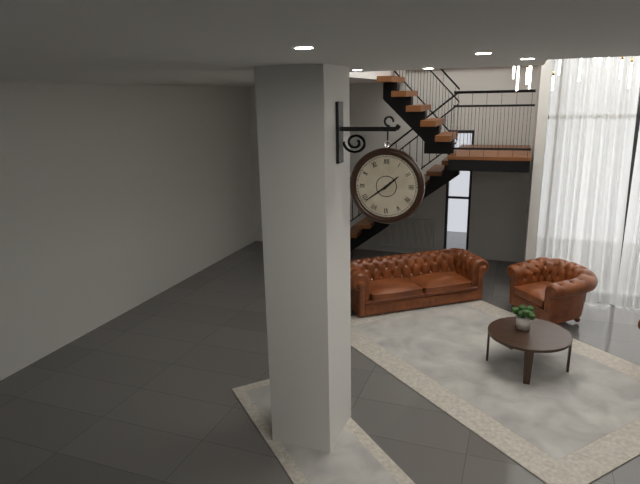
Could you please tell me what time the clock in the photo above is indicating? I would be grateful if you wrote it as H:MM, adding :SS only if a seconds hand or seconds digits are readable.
1:39
